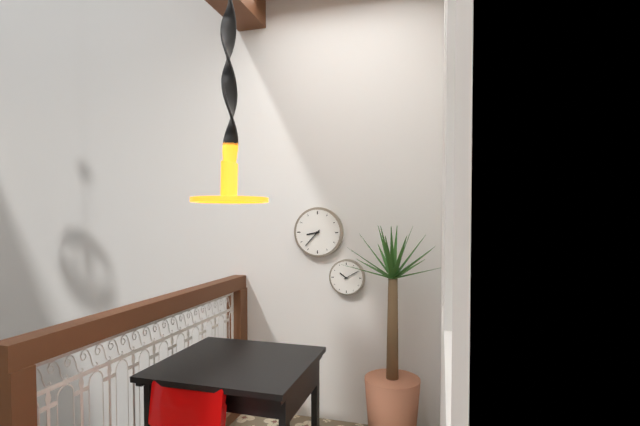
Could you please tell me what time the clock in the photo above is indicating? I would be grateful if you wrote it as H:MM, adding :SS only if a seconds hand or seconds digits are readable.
8:37
